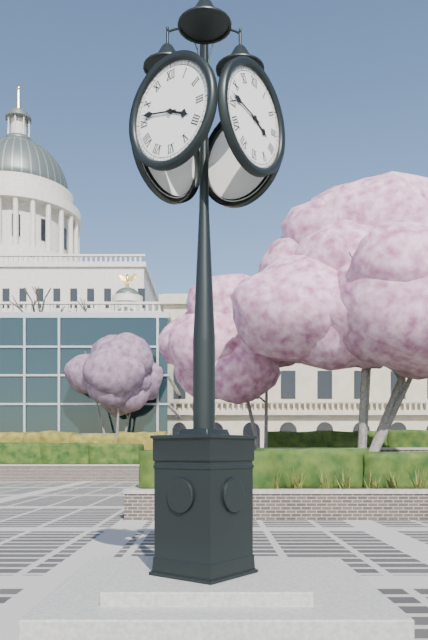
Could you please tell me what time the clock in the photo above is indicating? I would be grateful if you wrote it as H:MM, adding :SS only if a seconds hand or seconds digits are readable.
3:47
